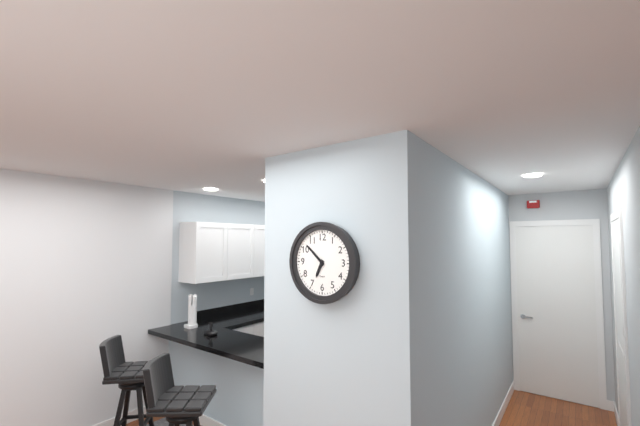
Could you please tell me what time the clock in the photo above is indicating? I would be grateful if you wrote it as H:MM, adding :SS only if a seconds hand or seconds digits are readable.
6:52
